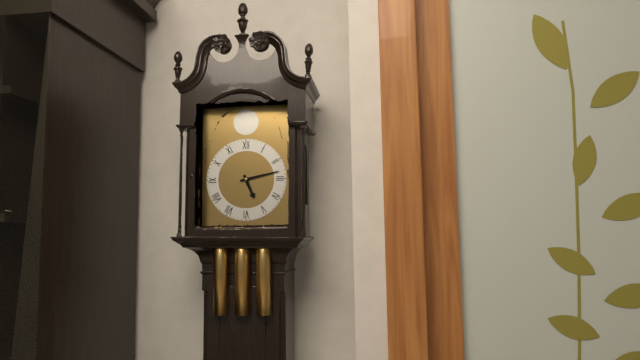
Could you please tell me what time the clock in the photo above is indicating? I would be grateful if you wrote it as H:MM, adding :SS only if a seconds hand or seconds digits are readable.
5:13
